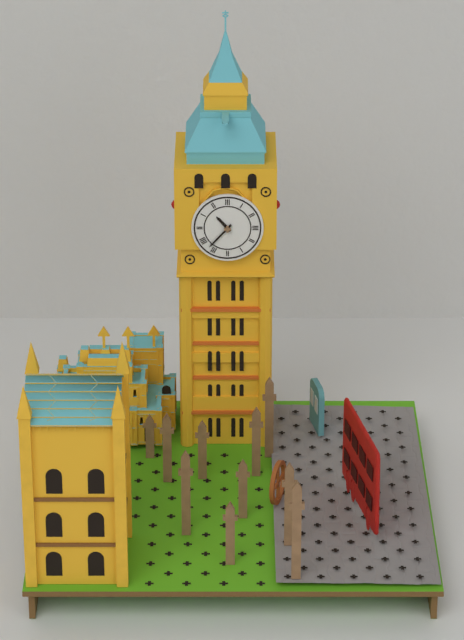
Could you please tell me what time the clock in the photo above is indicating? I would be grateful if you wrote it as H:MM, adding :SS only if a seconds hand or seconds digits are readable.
10:37
